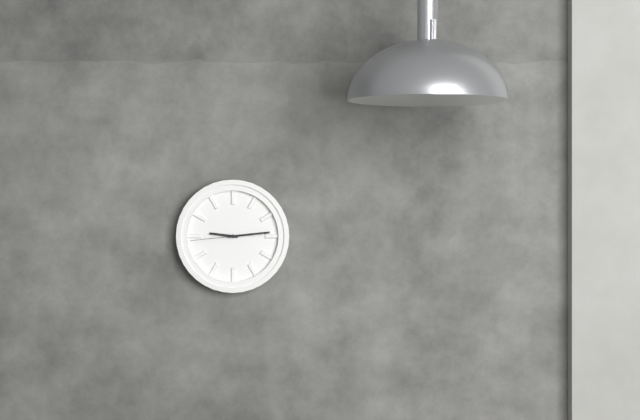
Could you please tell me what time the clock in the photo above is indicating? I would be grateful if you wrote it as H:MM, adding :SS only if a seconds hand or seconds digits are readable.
9:14:44
